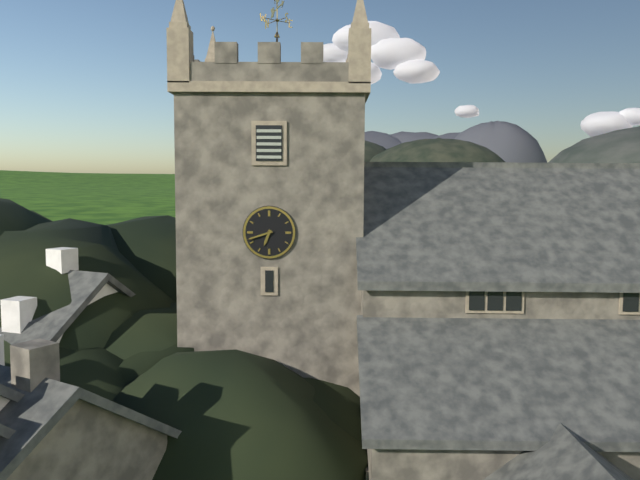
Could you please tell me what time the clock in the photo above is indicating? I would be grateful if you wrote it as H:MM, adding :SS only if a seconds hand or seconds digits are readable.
6:42
